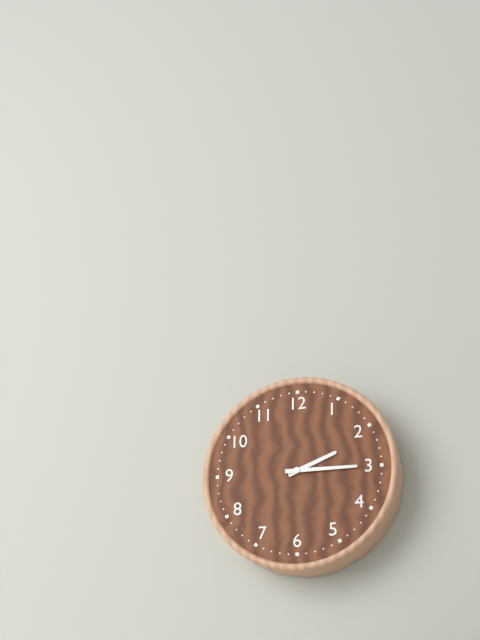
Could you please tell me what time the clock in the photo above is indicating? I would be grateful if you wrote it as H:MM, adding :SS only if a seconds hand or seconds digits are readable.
2:15
